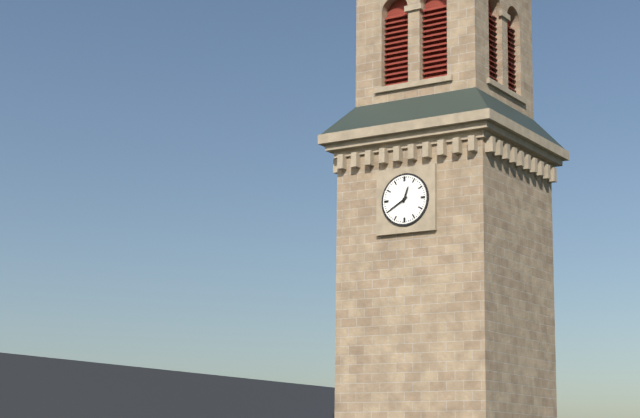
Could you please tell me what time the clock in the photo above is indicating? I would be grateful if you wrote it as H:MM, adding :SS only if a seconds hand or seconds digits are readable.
12:40
